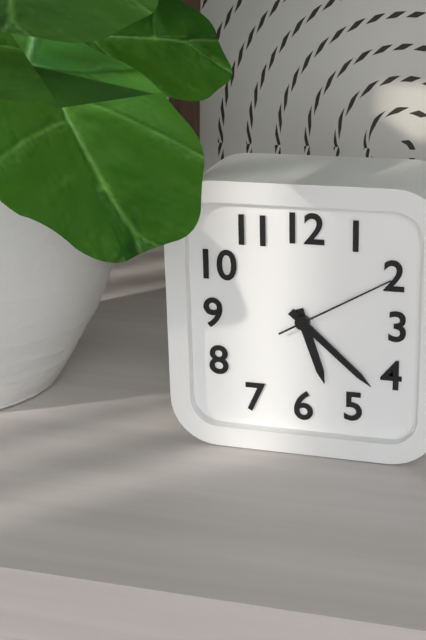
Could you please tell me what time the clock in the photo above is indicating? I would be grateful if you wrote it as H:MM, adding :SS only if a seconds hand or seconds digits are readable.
5:22:10
